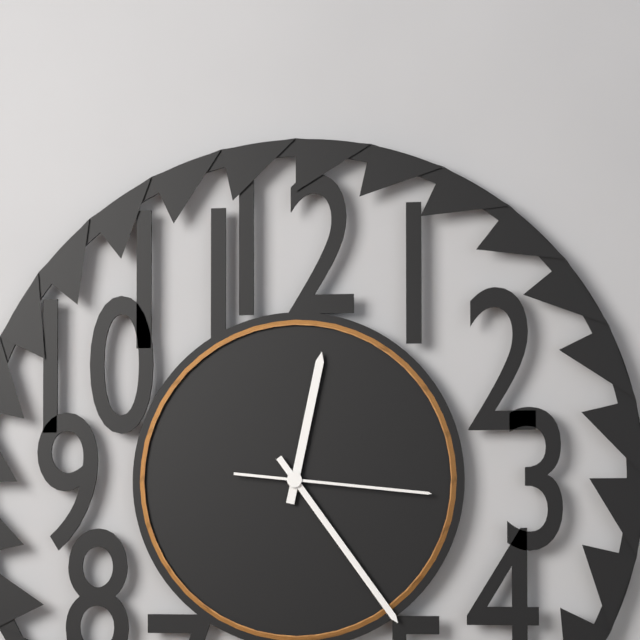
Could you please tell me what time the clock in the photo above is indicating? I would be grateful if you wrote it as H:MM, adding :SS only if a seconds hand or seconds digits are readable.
12:24:16
